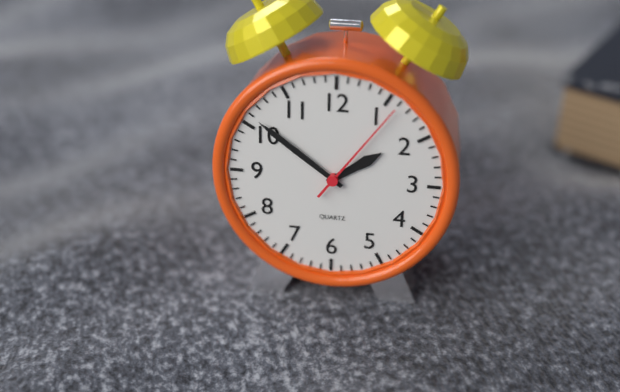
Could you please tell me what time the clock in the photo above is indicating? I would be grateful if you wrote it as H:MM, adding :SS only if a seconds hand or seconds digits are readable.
1:51:06
